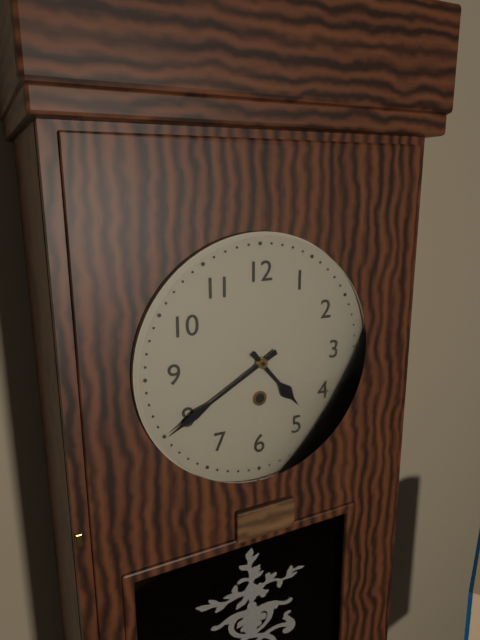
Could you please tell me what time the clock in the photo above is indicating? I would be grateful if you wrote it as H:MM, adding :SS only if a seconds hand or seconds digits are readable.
4:40
